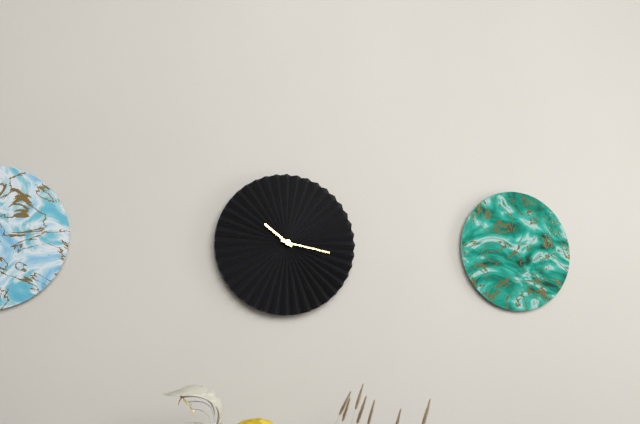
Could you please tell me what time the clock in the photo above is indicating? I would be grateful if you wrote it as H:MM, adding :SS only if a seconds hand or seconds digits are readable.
10:17
